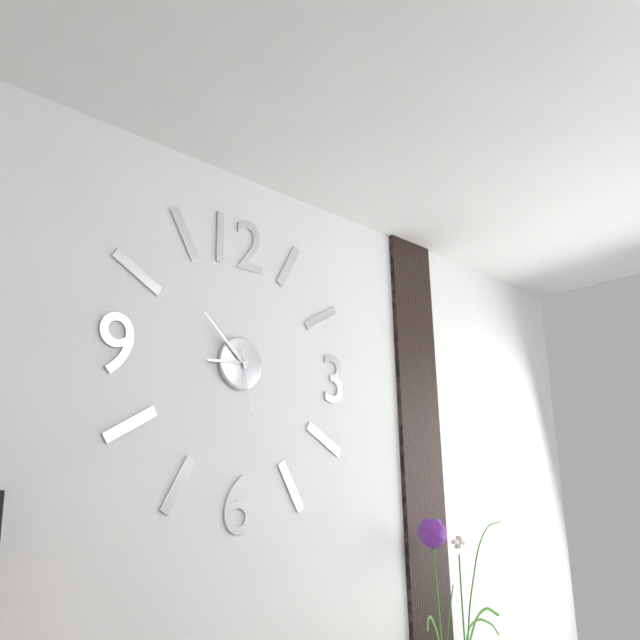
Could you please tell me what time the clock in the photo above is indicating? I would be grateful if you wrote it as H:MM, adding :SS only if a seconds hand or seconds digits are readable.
8:52:28
